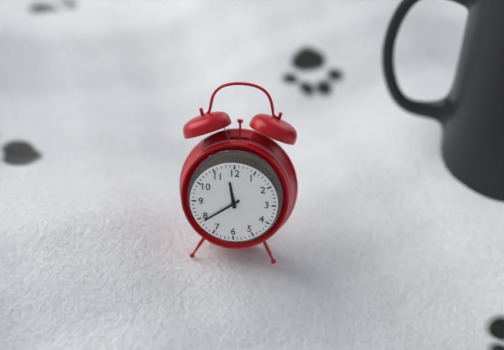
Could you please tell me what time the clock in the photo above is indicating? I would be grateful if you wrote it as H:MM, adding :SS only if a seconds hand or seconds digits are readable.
11:39
